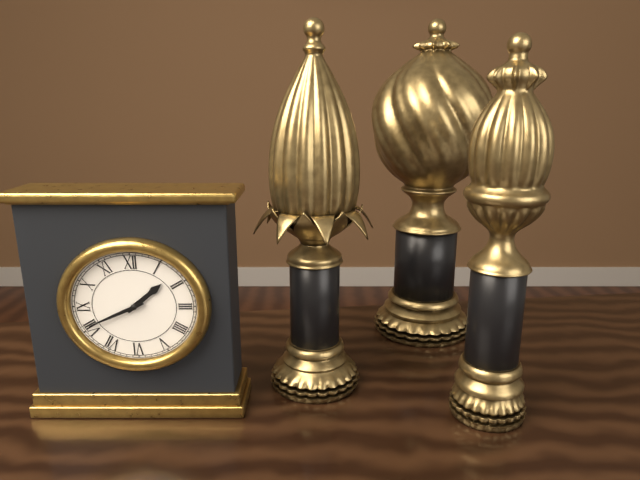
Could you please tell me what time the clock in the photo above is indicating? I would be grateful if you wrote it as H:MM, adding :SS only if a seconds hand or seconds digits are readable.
1:41
